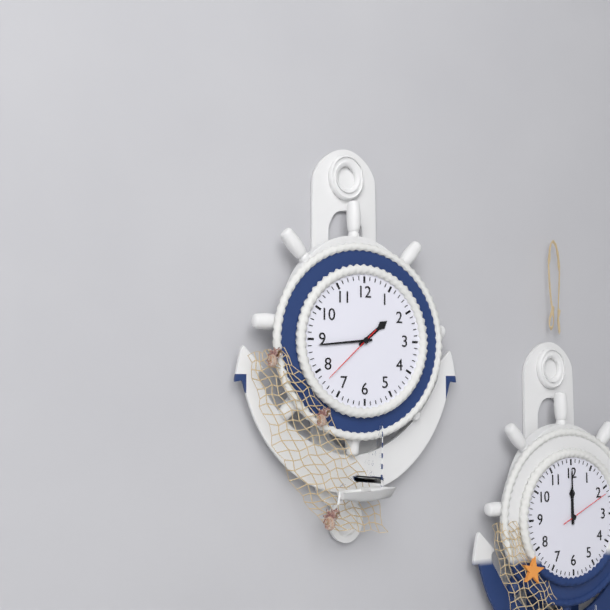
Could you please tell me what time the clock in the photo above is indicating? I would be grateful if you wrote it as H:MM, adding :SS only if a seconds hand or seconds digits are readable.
1:44:38
